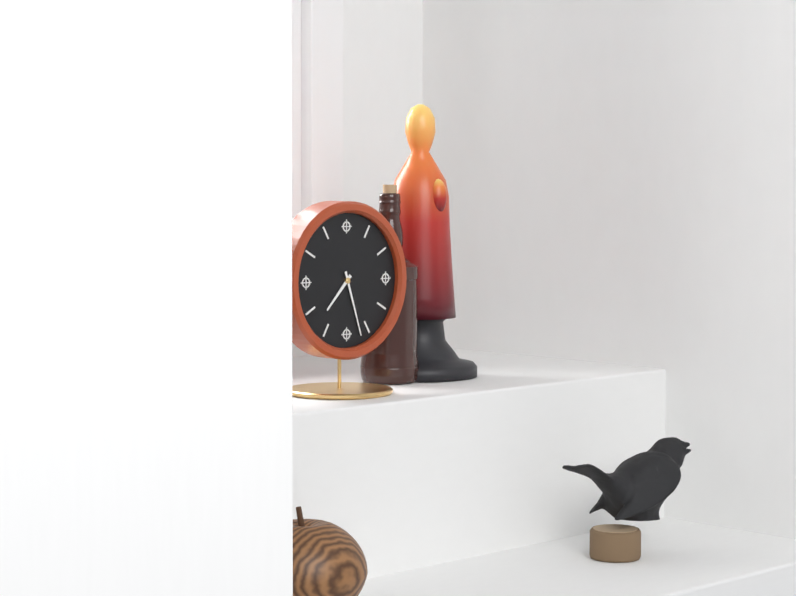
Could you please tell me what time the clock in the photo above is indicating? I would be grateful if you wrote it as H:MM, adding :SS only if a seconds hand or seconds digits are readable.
7:27
